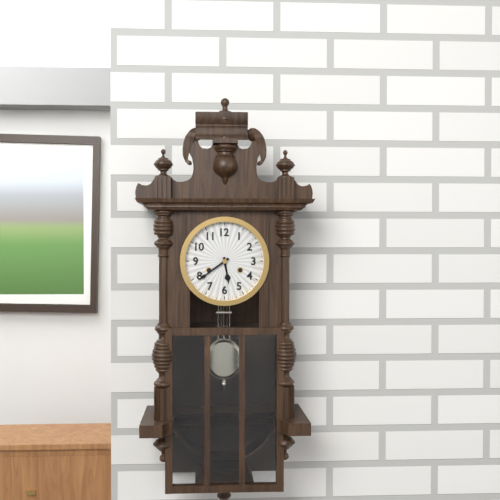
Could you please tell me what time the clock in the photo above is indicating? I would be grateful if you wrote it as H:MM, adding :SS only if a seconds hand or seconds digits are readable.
5:39
